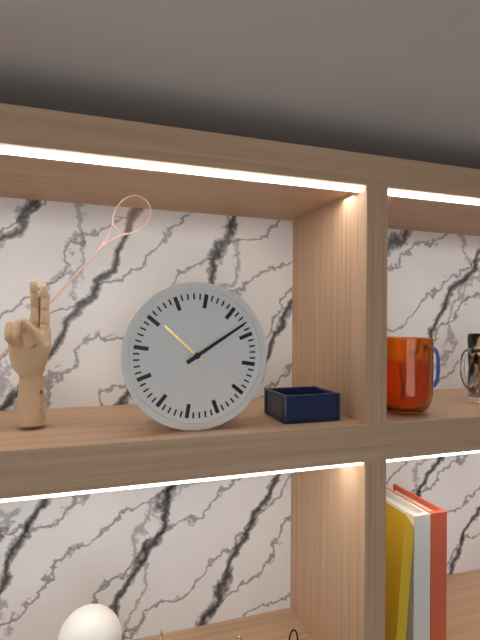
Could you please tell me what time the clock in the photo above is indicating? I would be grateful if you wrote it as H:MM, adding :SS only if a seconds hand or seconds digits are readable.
10:08
